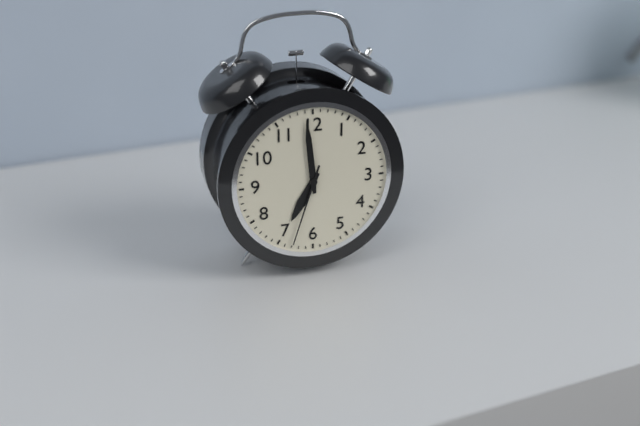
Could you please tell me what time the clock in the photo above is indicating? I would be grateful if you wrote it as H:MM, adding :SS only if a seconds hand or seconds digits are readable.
6:59:33
